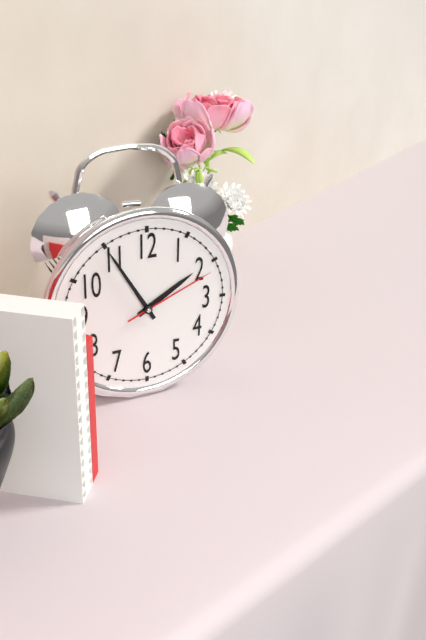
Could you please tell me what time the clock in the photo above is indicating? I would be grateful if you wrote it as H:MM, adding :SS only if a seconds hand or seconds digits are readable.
1:55:11
